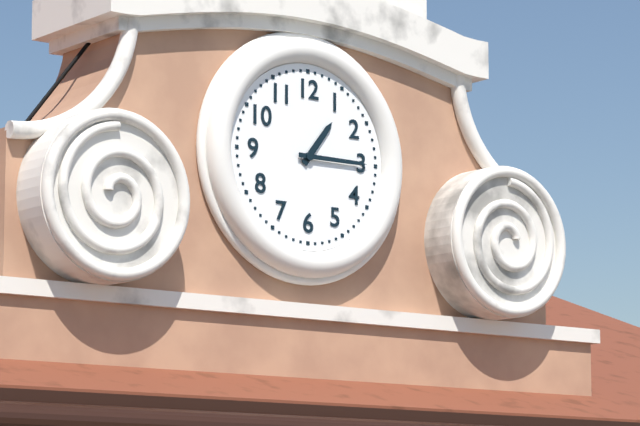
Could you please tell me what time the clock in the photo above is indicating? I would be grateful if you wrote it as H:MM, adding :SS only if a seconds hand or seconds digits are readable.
1:15
